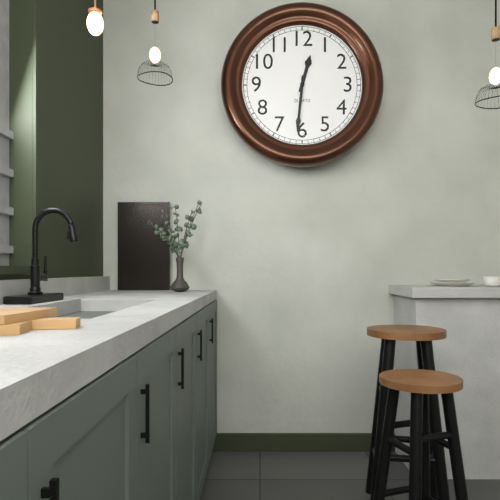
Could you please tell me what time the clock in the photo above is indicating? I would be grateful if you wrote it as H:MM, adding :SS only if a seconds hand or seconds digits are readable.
12:31
